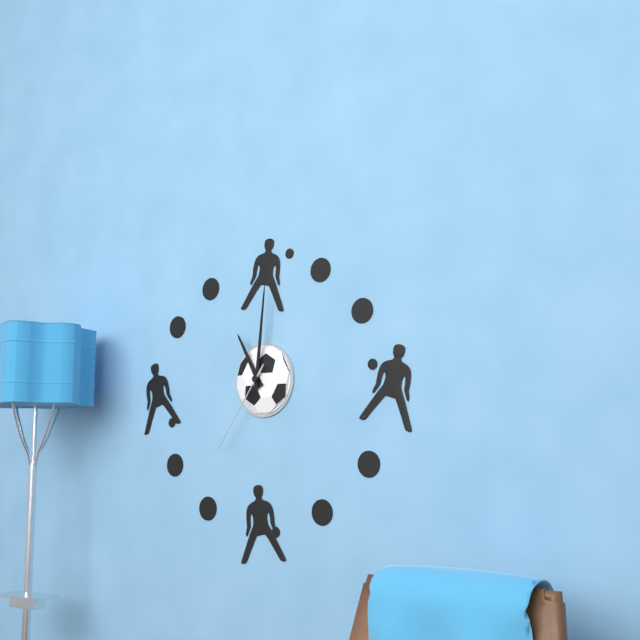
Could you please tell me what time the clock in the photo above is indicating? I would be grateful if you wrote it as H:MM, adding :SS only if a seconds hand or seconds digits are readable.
11:01:36
